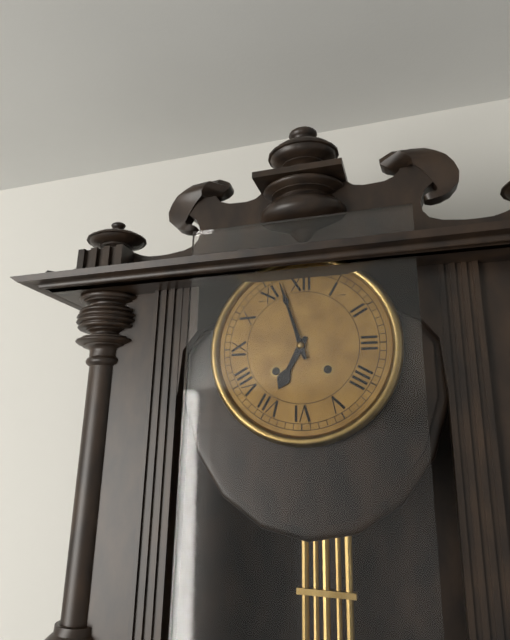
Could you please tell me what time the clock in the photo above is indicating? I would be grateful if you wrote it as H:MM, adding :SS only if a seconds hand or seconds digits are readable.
6:57
